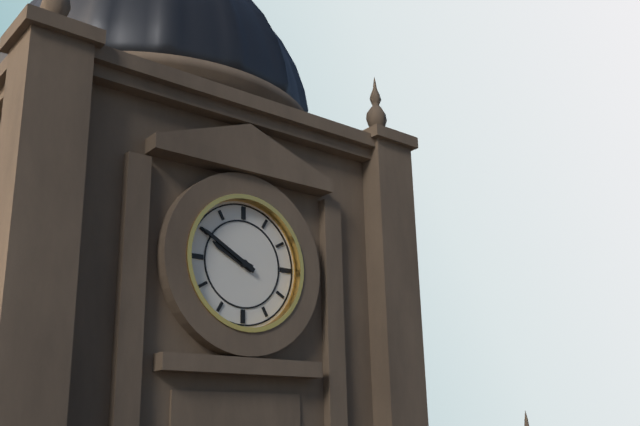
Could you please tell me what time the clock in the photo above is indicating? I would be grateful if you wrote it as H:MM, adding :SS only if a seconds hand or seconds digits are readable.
9:50
